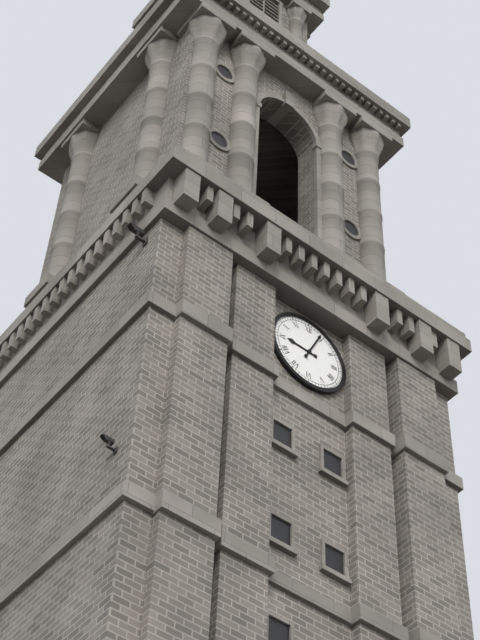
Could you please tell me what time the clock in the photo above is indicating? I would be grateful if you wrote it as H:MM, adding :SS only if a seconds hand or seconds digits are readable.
9:04
